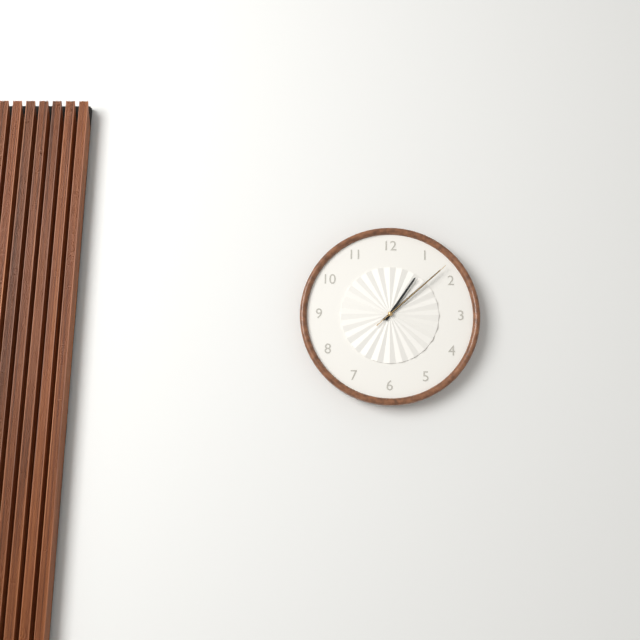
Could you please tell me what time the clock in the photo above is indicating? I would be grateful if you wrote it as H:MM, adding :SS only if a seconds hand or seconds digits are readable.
1:08:08
